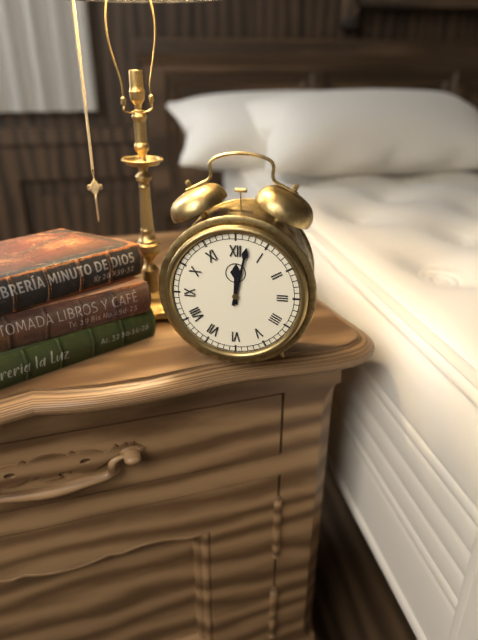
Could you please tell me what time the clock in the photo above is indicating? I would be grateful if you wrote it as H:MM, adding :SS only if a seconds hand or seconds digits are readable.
12:02
